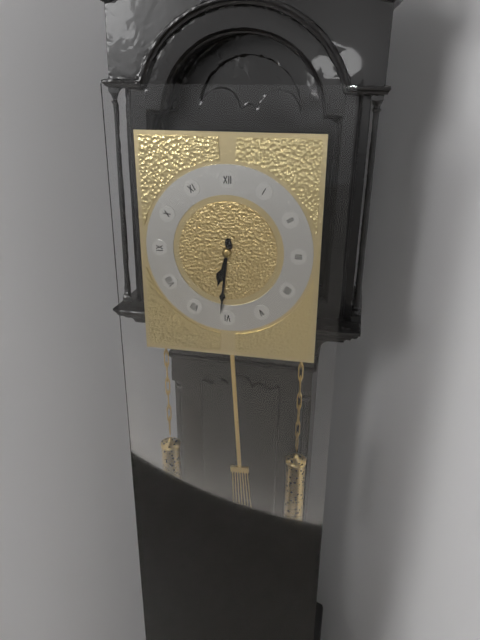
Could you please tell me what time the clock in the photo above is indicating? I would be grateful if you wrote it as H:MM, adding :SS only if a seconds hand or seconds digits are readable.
6:31
